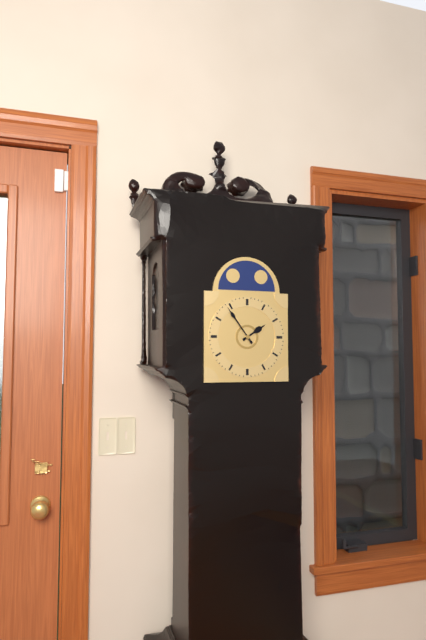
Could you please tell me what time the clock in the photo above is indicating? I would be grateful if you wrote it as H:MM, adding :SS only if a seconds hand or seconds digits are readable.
1:54
